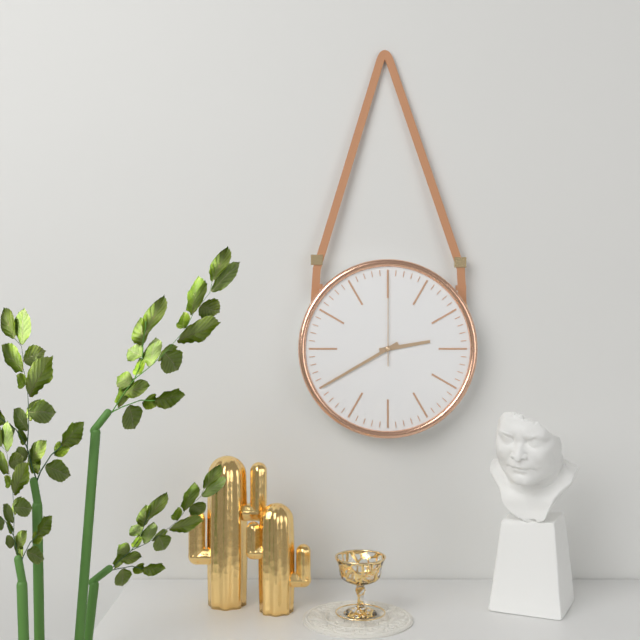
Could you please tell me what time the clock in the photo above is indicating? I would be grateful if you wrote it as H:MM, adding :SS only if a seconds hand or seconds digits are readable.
2:40:00
